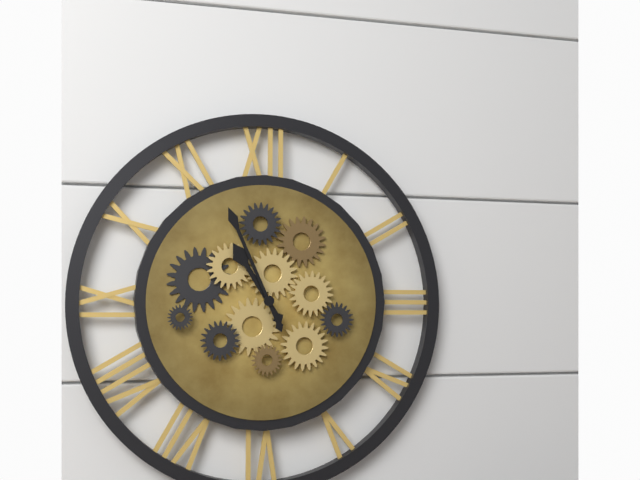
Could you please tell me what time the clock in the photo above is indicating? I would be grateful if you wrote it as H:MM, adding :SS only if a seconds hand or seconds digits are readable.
10:56
